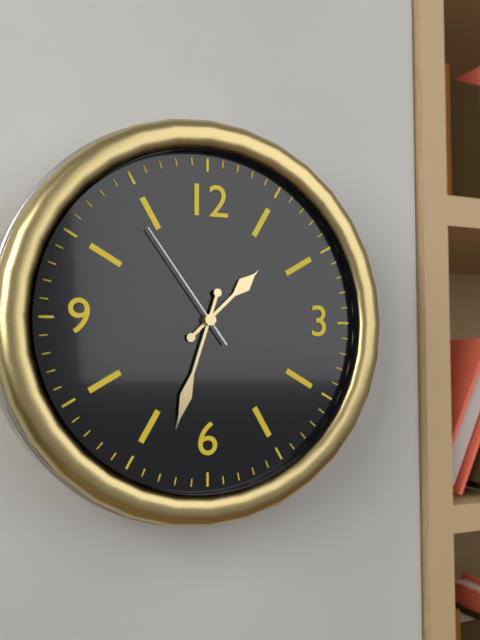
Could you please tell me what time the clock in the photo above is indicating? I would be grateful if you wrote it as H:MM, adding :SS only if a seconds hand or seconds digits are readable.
1:33:54
